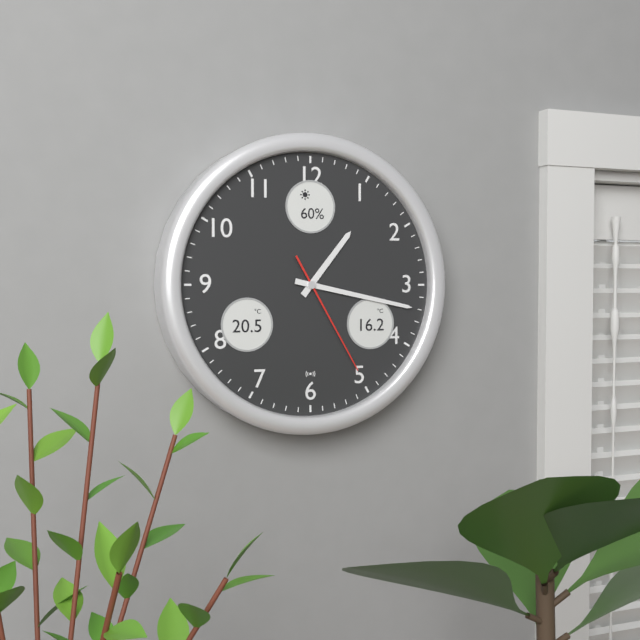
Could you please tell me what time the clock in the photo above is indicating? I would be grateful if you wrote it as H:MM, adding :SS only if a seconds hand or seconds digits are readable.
1:17:25
